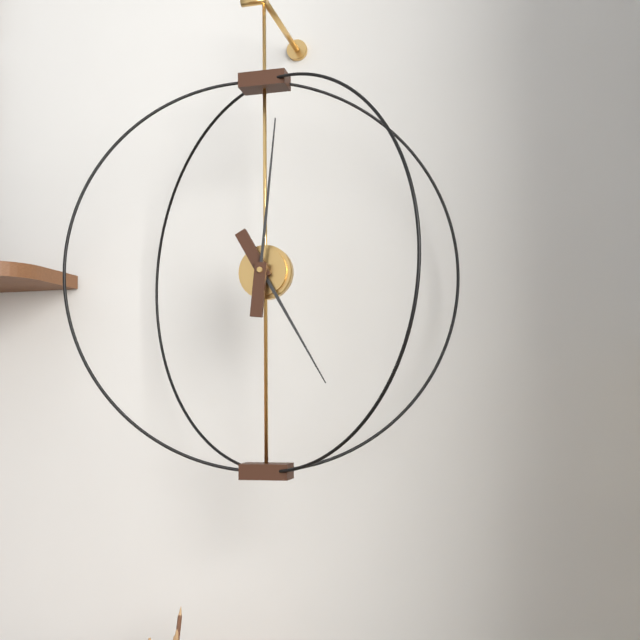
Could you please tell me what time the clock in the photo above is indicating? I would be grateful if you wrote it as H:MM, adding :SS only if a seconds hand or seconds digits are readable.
5:01
